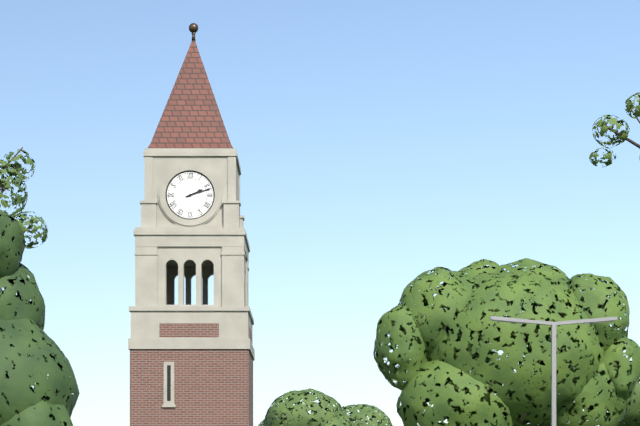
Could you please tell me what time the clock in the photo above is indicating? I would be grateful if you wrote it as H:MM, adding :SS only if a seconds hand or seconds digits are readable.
2:12
